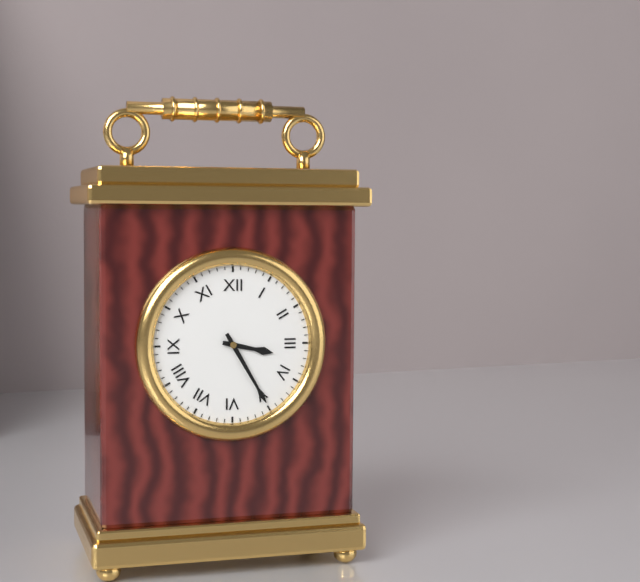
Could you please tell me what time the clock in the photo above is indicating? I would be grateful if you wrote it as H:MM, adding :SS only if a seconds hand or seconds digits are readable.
3:25
